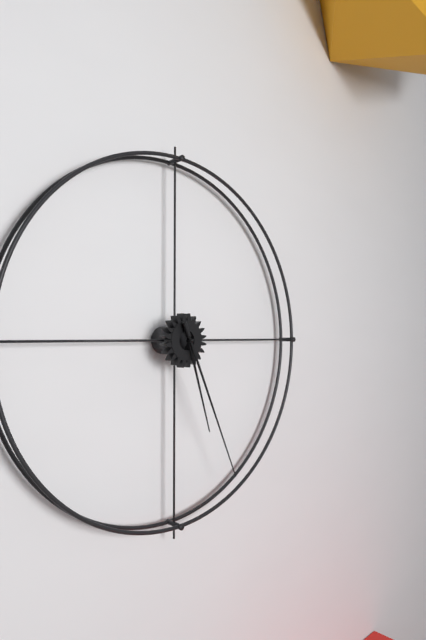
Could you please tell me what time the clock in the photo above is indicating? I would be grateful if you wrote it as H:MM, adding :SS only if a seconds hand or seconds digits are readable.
5:26
